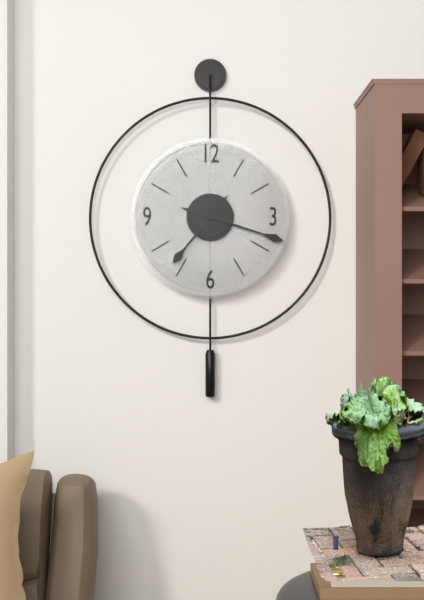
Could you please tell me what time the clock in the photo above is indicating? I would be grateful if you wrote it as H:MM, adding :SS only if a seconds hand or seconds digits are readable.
7:18
